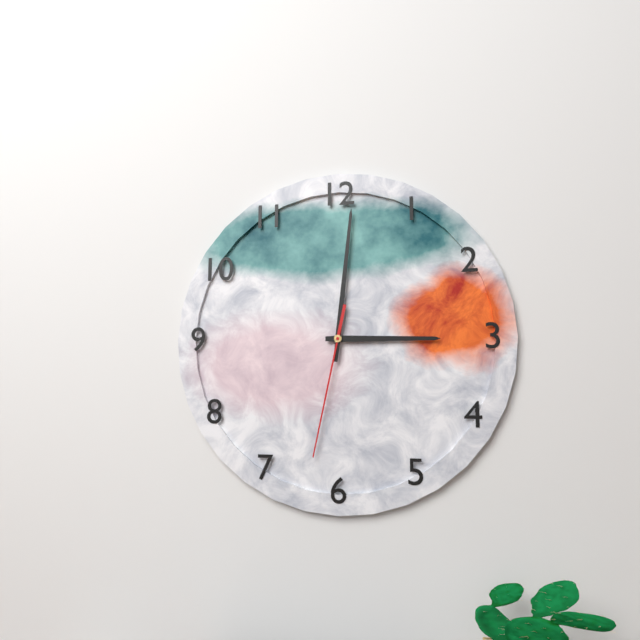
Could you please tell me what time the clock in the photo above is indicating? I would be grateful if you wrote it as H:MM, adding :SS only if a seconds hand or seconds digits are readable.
3:01:32
